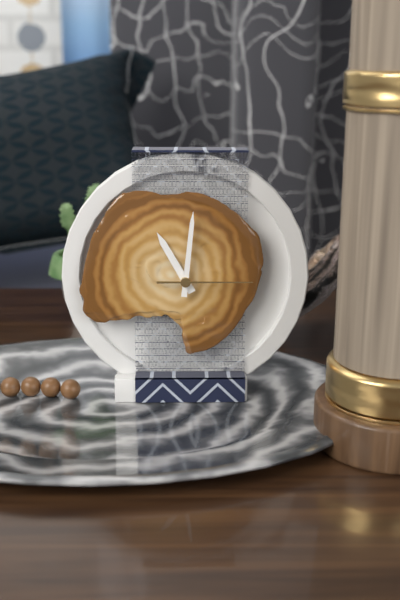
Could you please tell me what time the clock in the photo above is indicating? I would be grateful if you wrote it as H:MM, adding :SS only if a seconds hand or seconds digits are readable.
11:01:15
